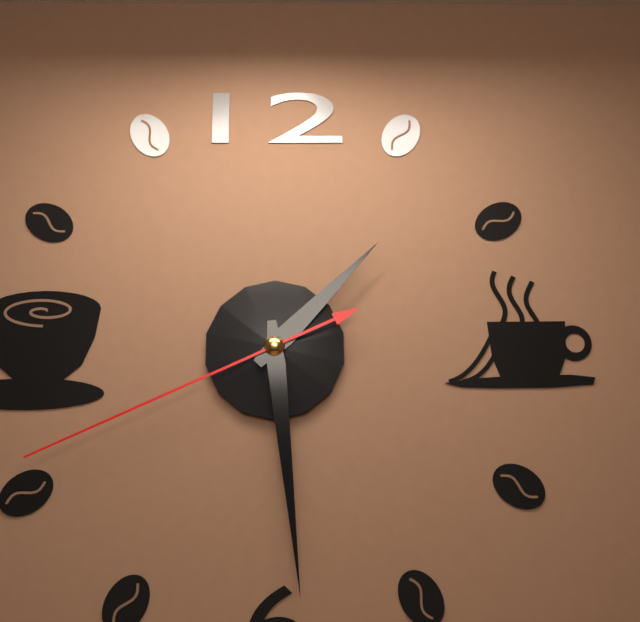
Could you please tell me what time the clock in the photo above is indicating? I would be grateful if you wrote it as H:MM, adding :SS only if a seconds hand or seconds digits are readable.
1:29:41
